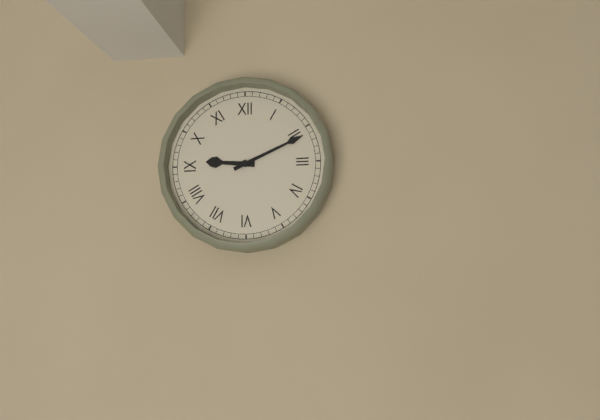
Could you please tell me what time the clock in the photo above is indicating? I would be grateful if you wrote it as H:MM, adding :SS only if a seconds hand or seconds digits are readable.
9:11
